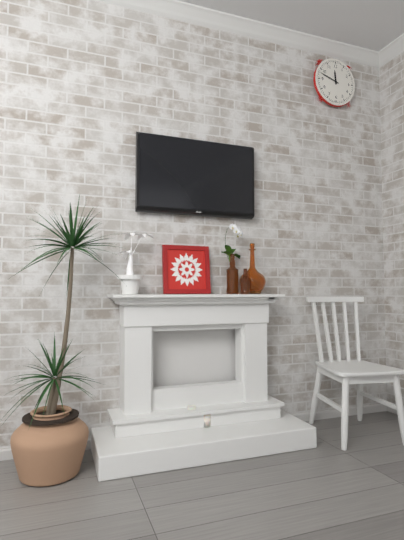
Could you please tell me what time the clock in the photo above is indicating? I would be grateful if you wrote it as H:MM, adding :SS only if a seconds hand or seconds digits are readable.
11:48
